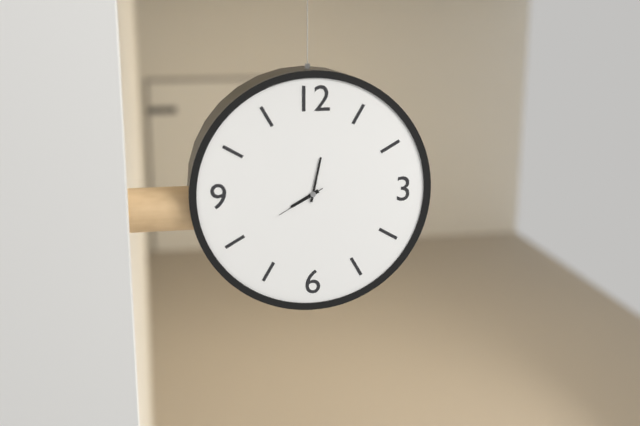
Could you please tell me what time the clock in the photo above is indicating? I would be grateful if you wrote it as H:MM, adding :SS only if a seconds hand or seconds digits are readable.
8:02
